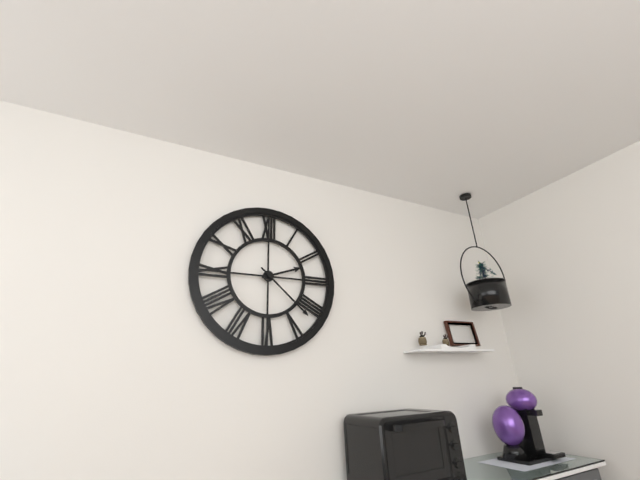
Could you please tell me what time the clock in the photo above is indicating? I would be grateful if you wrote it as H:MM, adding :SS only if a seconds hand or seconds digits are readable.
2:22
